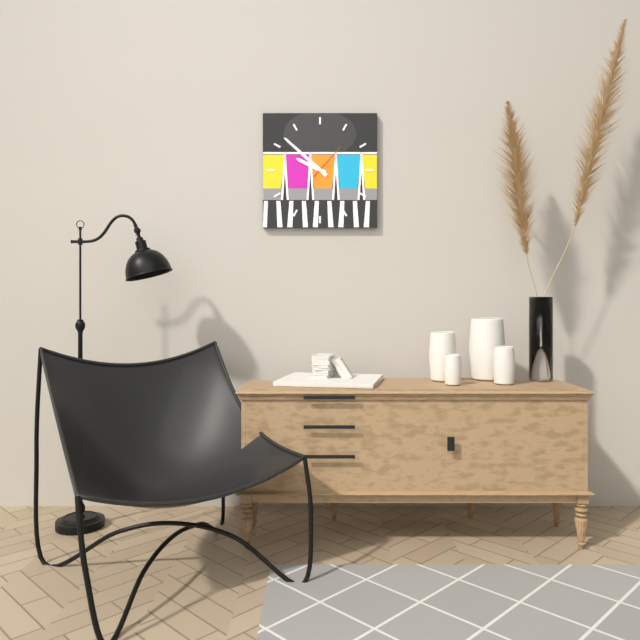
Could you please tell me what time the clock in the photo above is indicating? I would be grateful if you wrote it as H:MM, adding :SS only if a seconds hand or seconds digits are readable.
9:52
